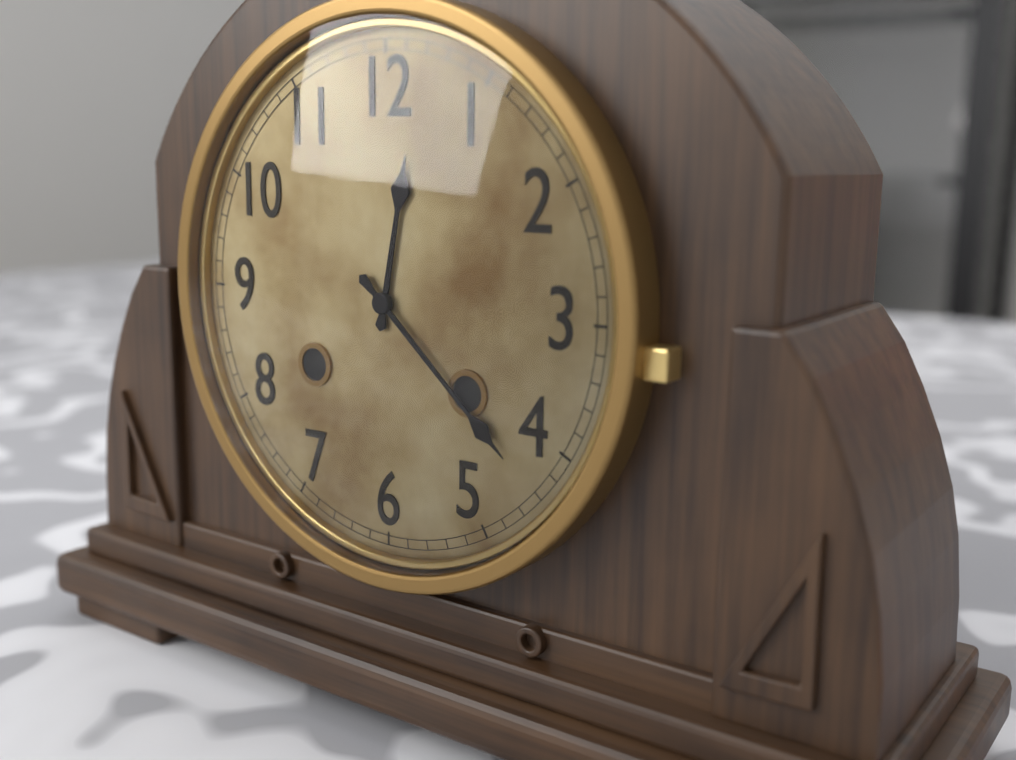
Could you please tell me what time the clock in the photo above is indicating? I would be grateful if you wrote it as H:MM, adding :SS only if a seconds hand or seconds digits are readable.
12:22
